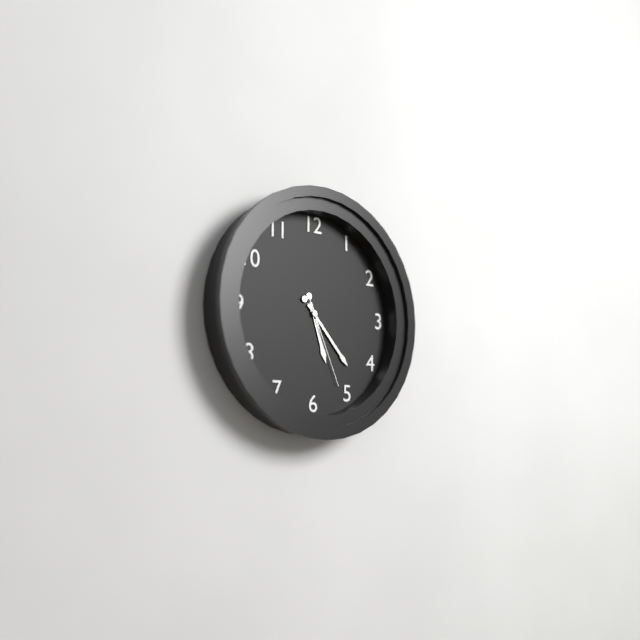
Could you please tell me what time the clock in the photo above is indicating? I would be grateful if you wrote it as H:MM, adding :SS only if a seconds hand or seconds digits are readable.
5:23:26
